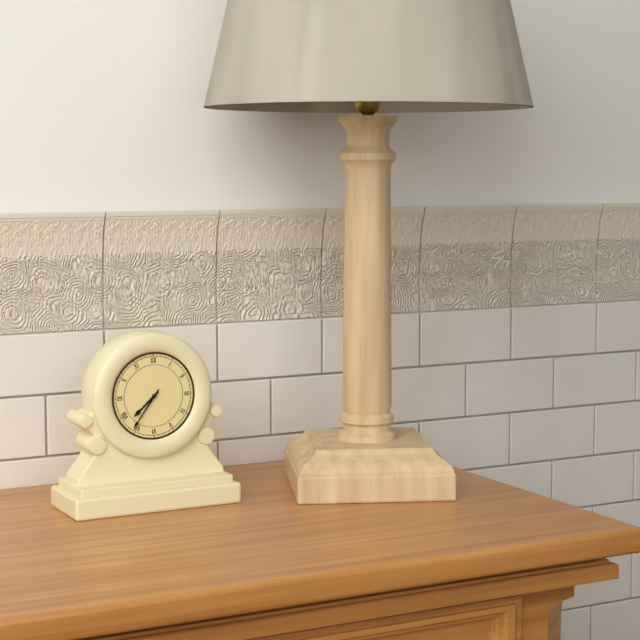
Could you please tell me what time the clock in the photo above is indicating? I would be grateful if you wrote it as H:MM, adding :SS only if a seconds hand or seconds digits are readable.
7:36
